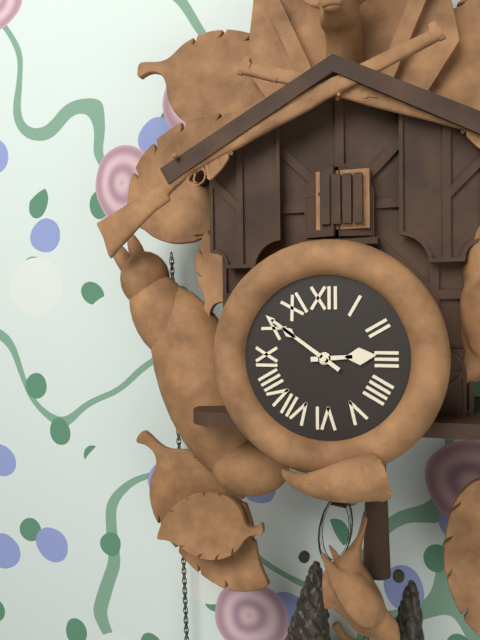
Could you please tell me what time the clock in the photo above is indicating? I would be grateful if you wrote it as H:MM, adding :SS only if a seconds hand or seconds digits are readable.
2:51
